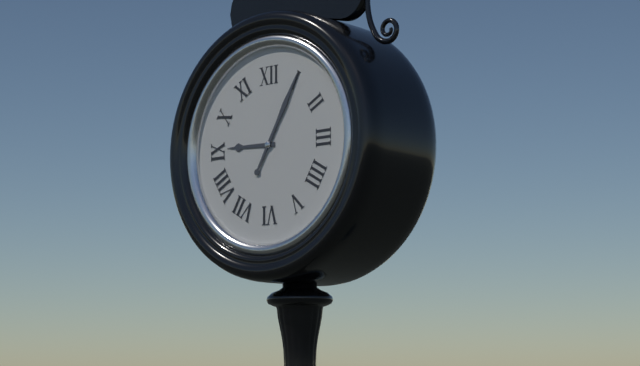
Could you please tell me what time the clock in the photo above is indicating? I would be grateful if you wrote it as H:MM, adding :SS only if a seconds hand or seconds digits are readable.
9:05
